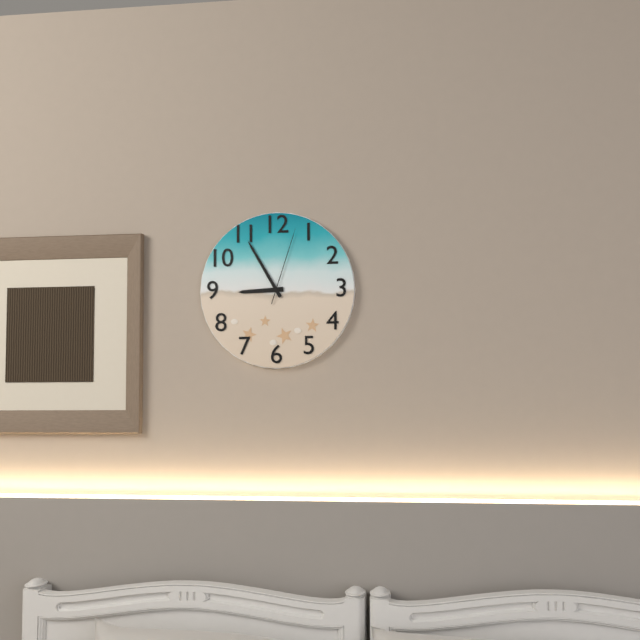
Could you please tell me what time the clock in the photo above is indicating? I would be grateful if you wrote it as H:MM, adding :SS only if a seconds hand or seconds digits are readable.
8:55:03
